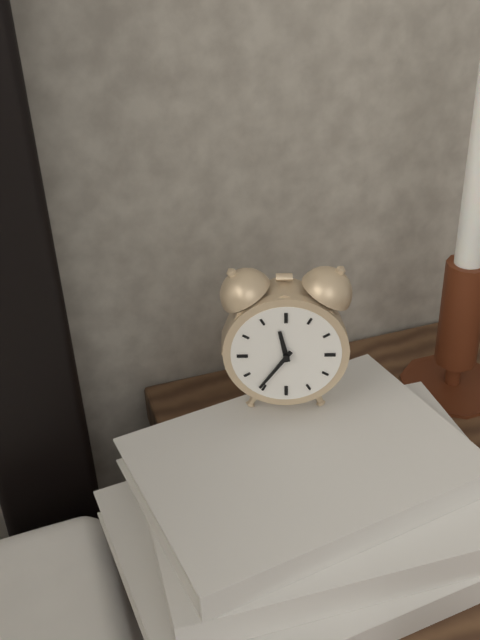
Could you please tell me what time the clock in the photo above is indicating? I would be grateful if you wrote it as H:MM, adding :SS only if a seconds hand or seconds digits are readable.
11:36
